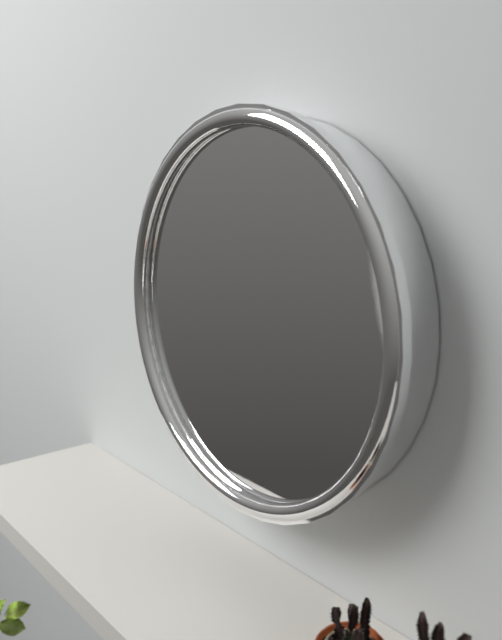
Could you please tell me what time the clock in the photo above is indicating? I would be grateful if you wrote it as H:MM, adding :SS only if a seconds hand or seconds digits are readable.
8:10
